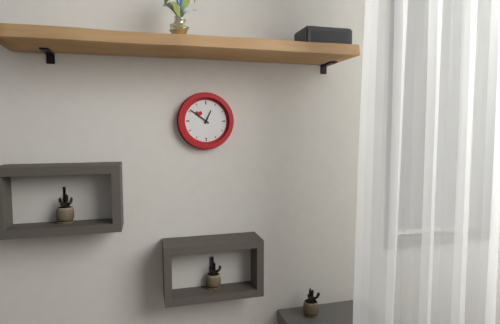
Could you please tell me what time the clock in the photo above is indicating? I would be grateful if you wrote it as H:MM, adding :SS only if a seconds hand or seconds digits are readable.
12:51
